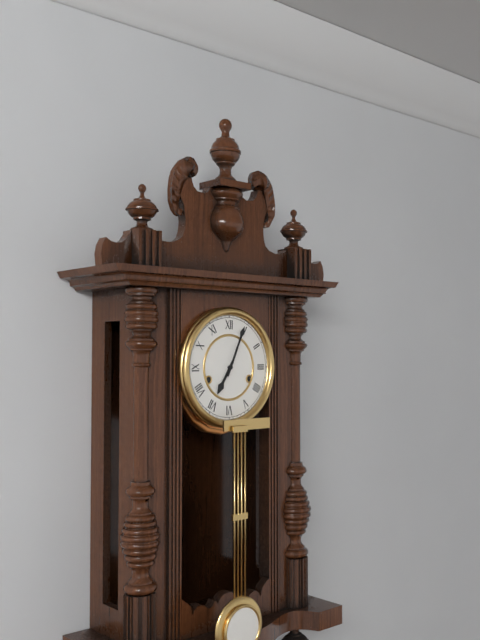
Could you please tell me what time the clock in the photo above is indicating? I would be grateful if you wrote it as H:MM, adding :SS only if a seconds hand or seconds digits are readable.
7:04
